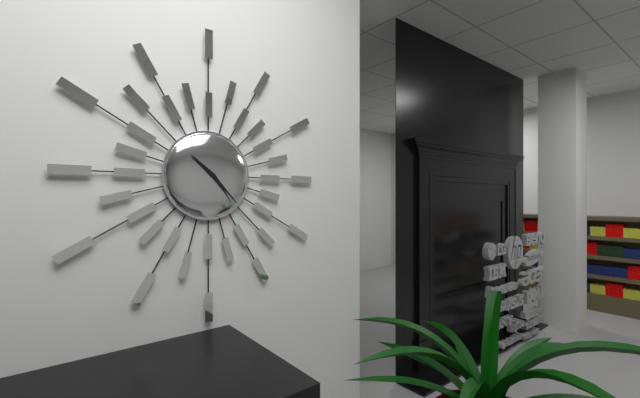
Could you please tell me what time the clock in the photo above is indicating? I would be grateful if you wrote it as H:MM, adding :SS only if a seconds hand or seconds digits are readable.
10:23
